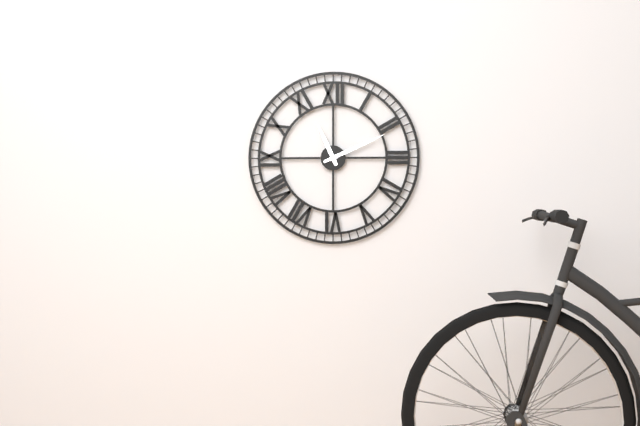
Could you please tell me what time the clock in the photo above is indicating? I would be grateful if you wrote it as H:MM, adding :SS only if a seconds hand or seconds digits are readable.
11:11
